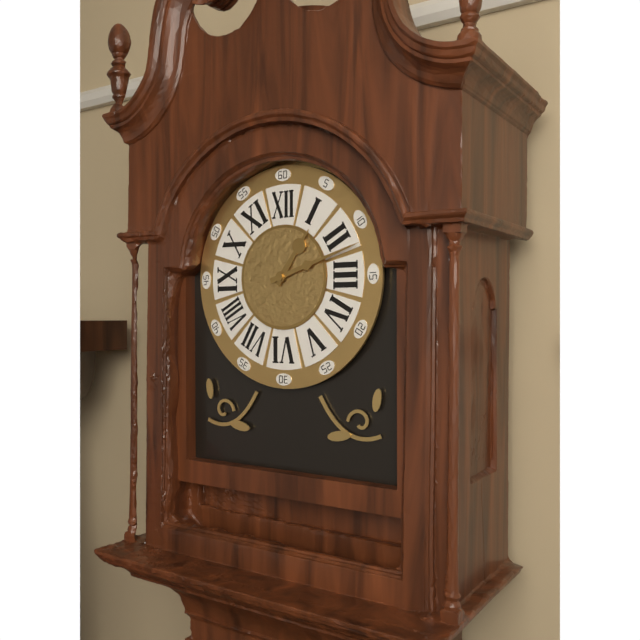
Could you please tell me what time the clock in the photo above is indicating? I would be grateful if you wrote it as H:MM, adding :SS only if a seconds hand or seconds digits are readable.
1:12
